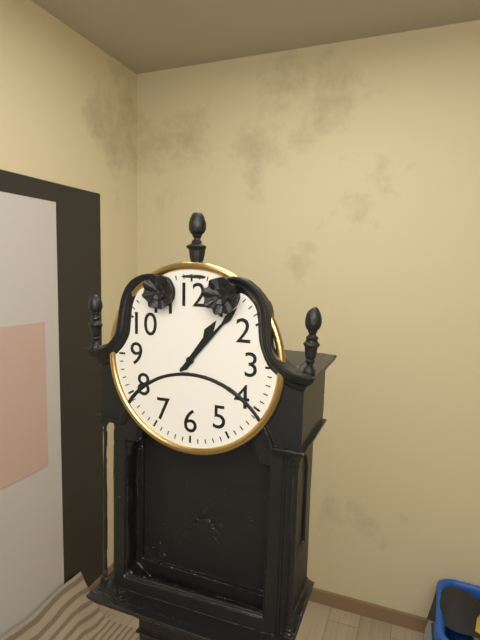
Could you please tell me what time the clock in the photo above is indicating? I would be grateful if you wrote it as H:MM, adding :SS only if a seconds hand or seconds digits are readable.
1:07
